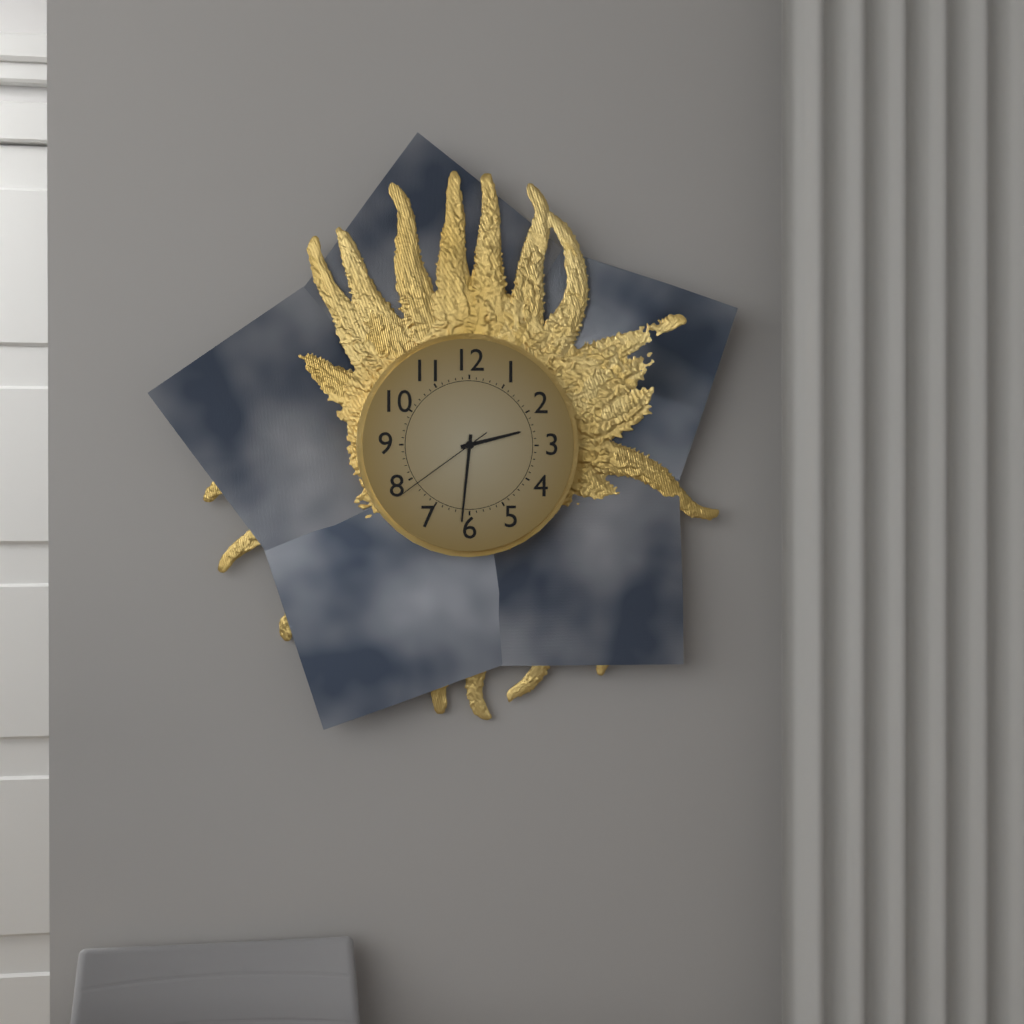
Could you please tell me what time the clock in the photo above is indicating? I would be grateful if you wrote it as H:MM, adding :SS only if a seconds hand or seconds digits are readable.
2:31:39
